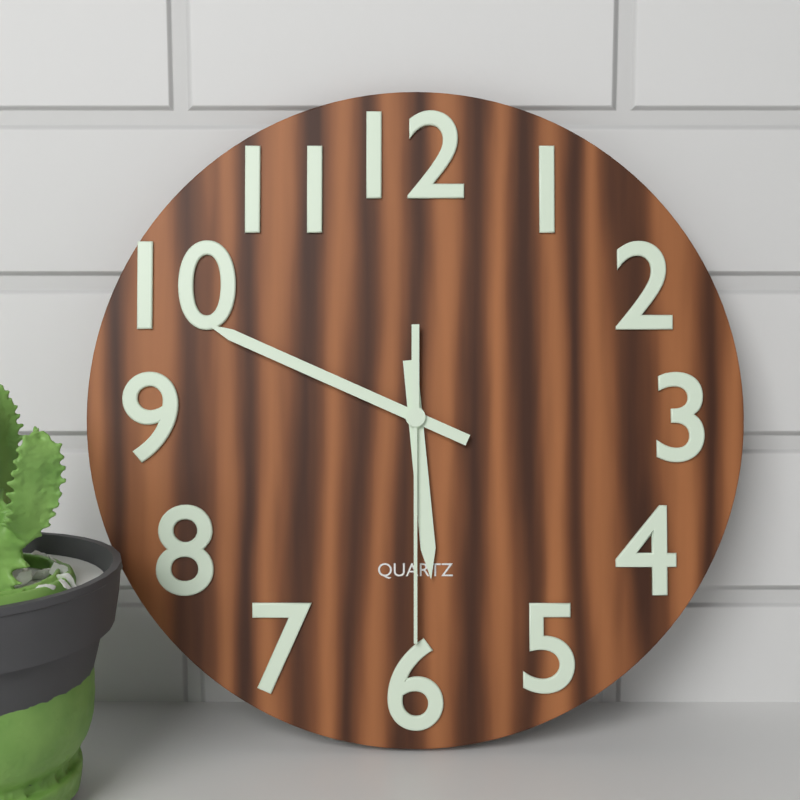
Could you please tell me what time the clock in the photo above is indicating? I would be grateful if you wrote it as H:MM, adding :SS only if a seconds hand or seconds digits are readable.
5:49:30
